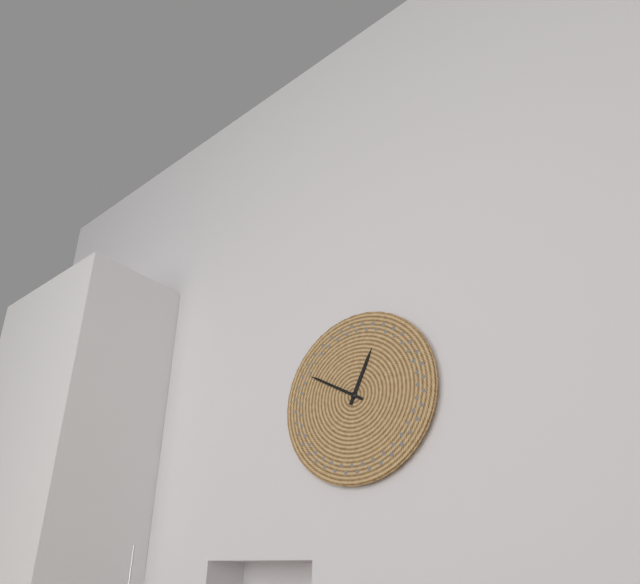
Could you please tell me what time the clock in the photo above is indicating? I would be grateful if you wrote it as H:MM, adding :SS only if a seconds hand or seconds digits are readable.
12:50
